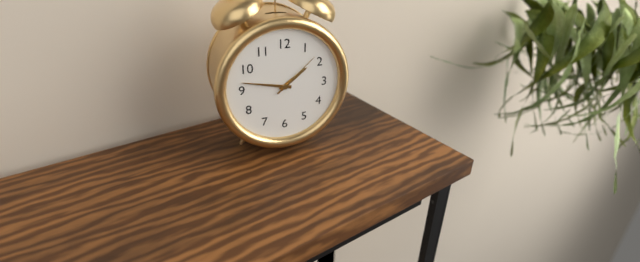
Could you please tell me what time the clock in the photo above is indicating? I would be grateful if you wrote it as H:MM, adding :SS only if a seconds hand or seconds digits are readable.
1:47:08
